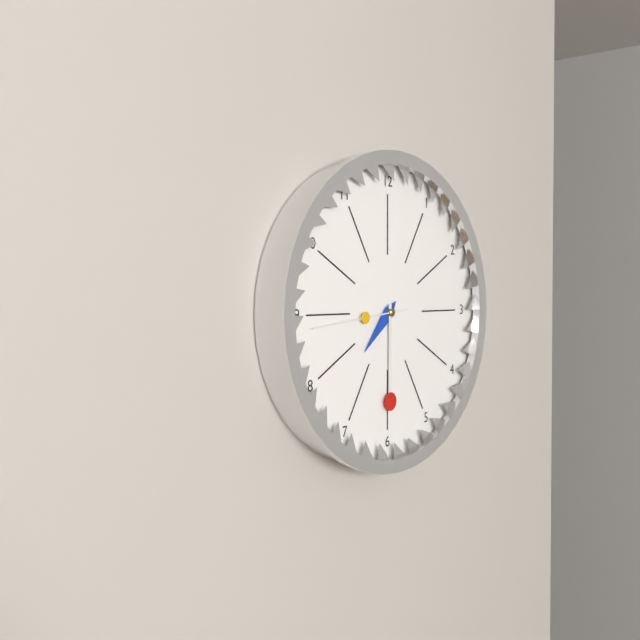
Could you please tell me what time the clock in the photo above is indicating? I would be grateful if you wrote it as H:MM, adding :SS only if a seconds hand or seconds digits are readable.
7:30:44
